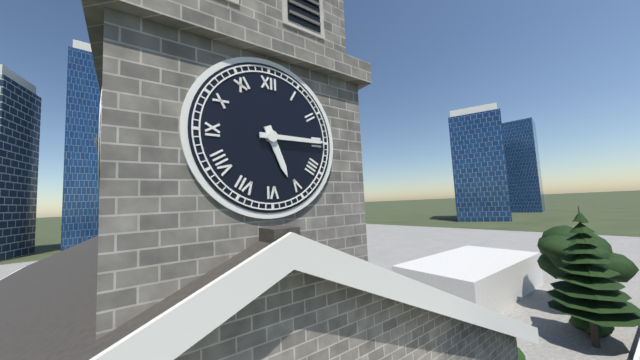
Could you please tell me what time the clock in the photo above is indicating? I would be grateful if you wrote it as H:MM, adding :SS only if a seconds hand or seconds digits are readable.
5:15
